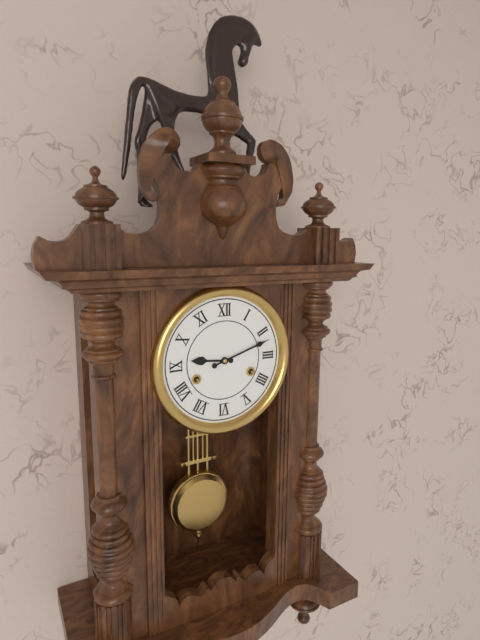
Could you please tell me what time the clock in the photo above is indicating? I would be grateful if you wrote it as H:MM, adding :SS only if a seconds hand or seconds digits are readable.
9:12
